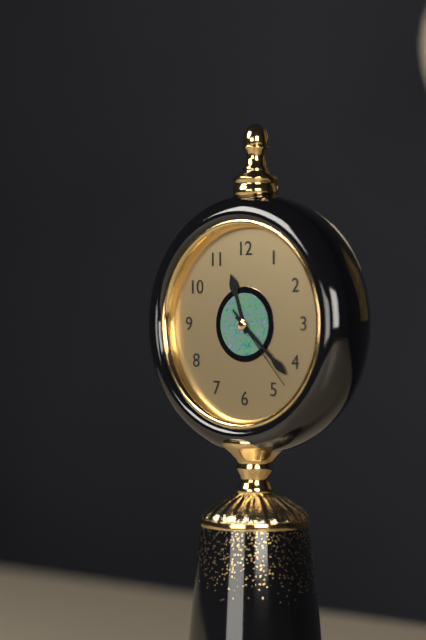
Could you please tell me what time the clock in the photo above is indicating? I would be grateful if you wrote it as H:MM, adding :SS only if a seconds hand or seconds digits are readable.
11:22:23
